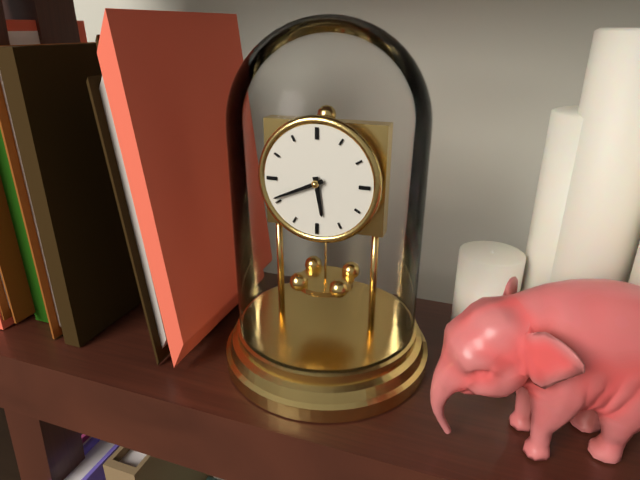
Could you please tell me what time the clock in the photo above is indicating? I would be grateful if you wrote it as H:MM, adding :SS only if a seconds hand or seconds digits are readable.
5:41
